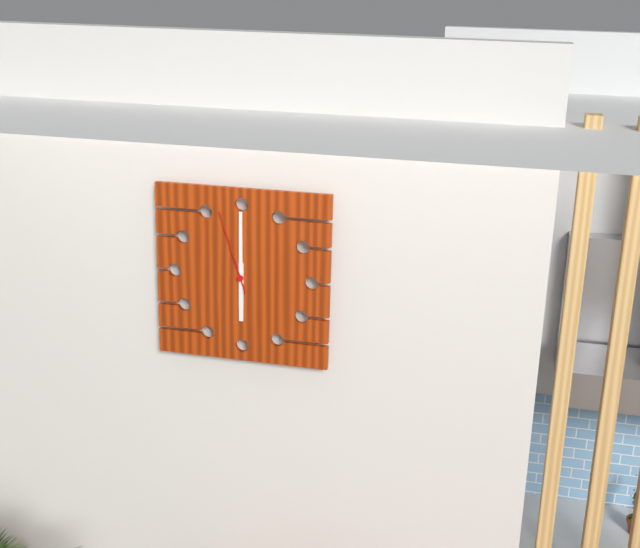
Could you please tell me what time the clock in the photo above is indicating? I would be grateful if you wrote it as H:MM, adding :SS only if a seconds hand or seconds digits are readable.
6:00:57
